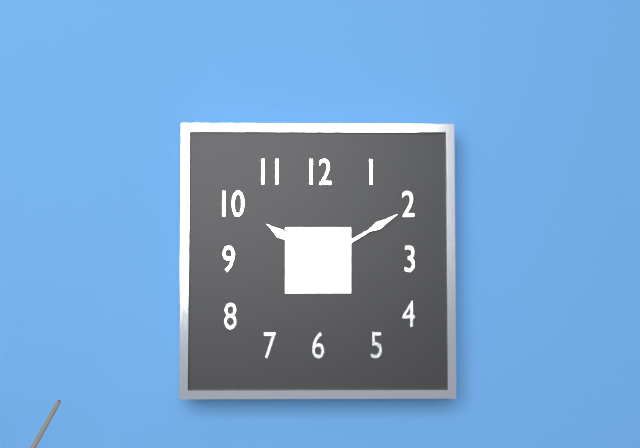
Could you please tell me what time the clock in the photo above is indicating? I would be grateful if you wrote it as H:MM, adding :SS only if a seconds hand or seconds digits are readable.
10:10
